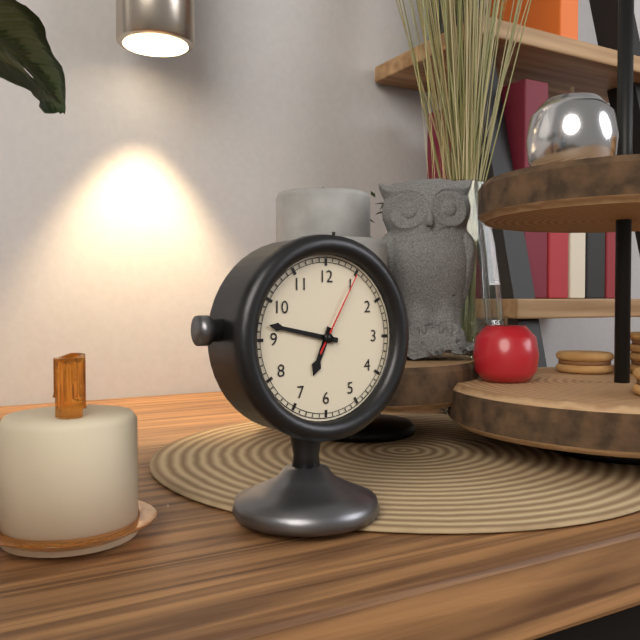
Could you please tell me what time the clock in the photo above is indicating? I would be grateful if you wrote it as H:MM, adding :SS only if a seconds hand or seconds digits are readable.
6:47:05
